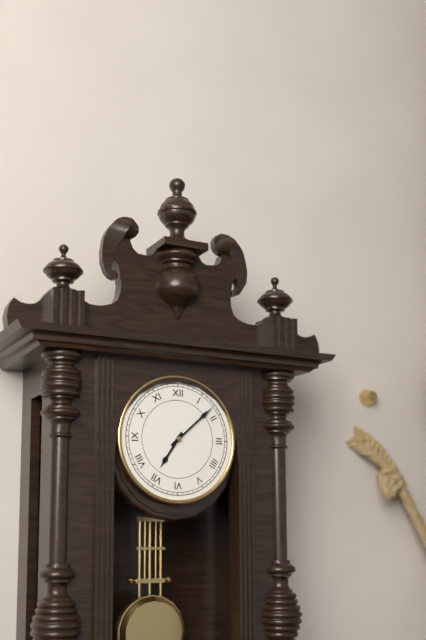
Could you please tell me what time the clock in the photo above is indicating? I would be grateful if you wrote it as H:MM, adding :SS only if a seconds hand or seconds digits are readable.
7:08
